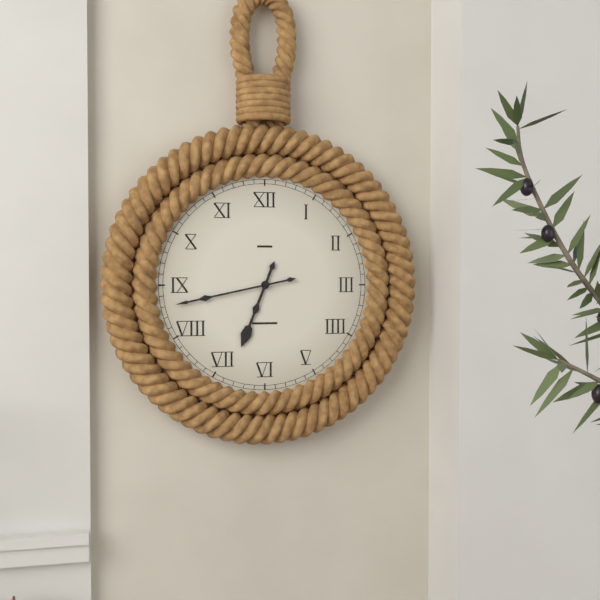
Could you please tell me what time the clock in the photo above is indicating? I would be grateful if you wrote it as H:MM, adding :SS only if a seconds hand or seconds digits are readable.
6:43
